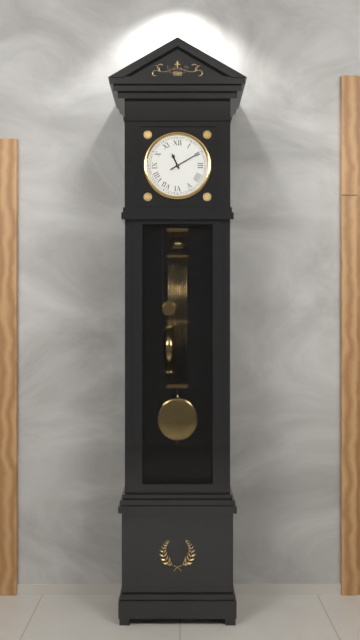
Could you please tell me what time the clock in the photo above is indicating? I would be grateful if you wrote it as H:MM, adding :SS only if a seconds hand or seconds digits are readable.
11:10
